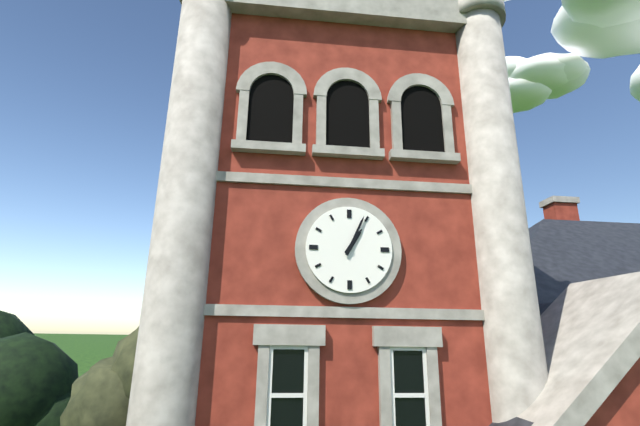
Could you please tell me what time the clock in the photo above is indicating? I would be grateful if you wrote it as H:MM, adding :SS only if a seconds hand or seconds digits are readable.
1:04
